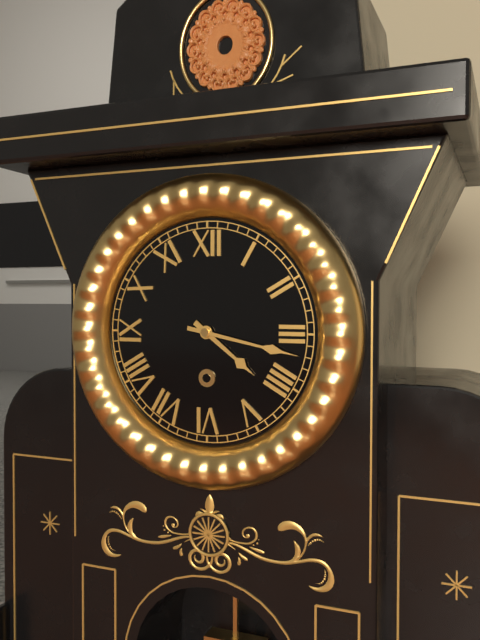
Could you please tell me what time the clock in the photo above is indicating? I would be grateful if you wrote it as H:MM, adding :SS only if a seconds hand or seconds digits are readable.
4:17
